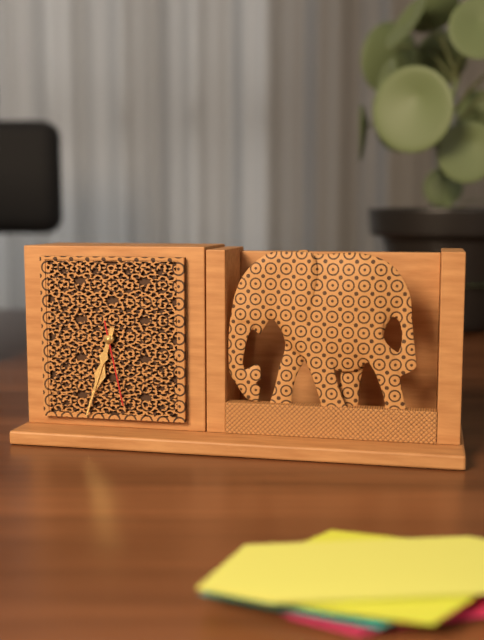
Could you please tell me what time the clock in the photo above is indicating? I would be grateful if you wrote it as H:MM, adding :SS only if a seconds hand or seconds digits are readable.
6:33:28
